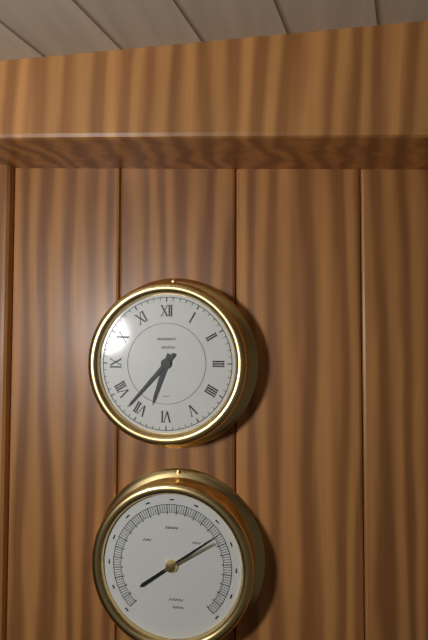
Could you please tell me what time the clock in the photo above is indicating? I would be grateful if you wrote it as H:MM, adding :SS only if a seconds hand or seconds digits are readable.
6:37
